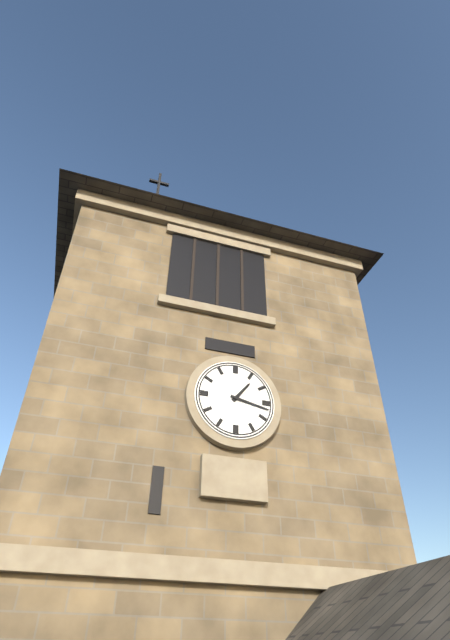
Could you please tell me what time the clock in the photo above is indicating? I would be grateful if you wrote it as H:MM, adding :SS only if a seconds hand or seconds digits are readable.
1:17
